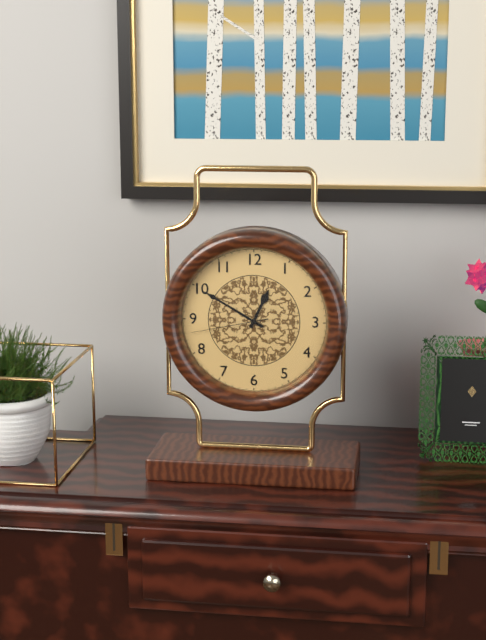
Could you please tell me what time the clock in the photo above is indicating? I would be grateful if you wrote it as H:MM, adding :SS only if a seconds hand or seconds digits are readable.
12:50:43
